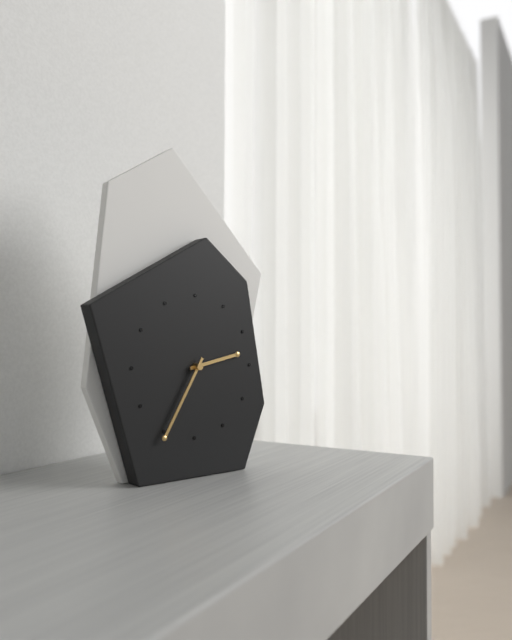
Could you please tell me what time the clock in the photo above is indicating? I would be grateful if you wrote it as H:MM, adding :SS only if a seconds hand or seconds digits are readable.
2:35
